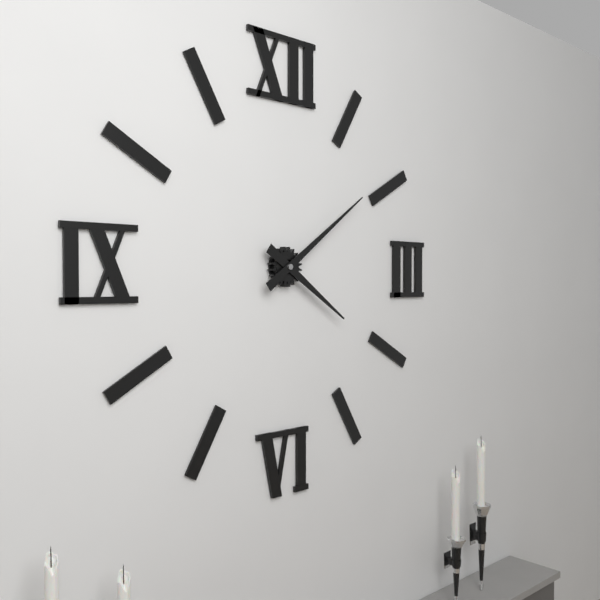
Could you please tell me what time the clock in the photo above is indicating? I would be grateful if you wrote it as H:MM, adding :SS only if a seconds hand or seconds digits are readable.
4:09
